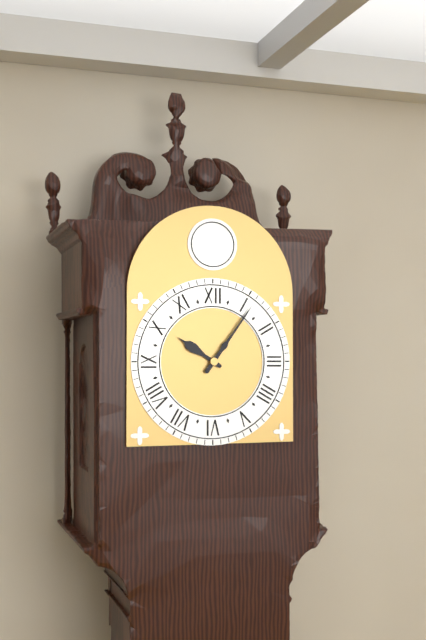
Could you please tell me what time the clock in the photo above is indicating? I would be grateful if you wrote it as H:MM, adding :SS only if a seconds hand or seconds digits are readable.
10:06
